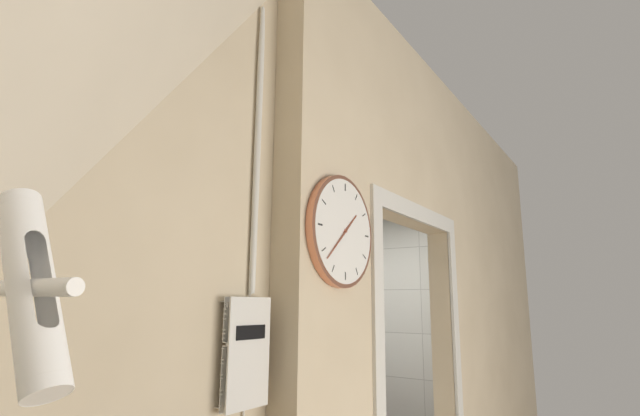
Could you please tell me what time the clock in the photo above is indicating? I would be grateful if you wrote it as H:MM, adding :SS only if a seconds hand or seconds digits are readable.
1:38
